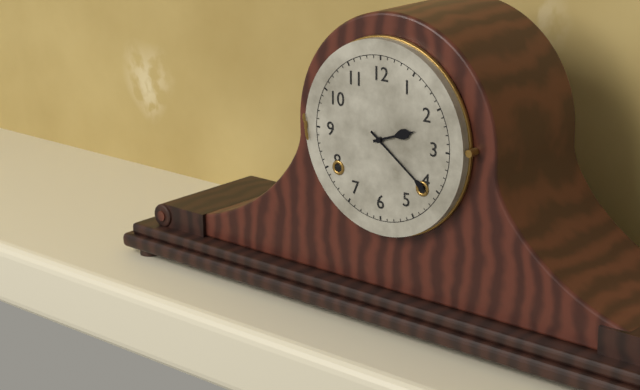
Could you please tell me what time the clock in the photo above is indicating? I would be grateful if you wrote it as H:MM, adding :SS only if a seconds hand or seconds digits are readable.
2:21
